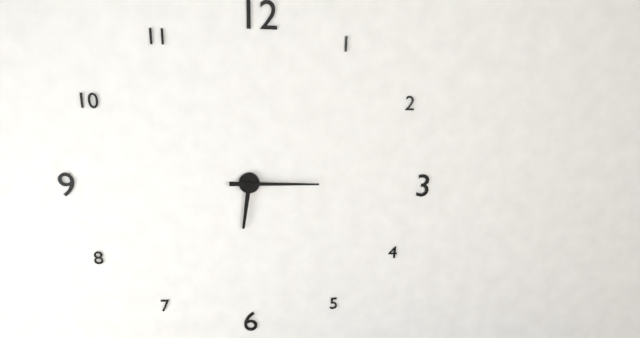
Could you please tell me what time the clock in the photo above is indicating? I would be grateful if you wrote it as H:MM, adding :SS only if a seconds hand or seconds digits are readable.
6:15
